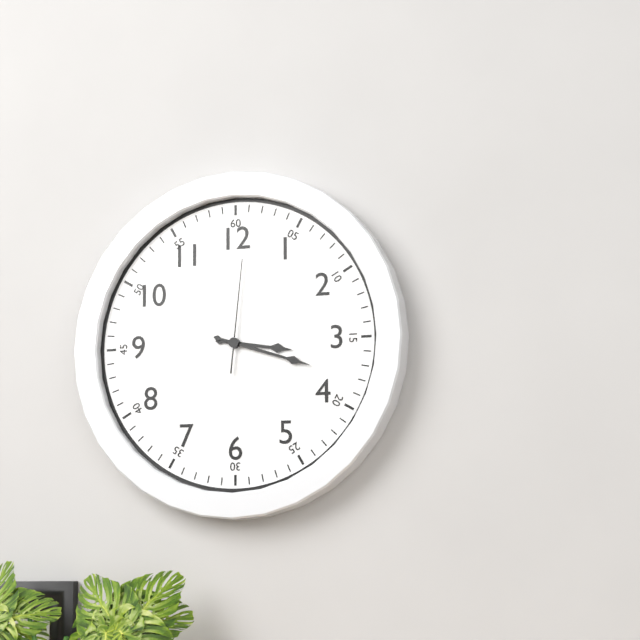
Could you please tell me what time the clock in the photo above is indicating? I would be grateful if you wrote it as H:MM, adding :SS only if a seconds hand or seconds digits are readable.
3:18:01
